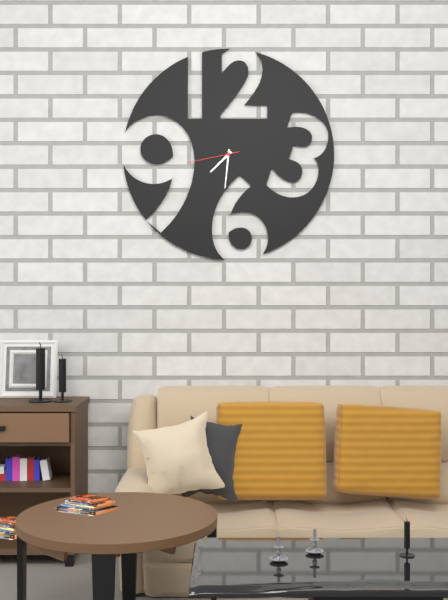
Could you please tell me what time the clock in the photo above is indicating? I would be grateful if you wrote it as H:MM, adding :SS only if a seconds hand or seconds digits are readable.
7:31:43
